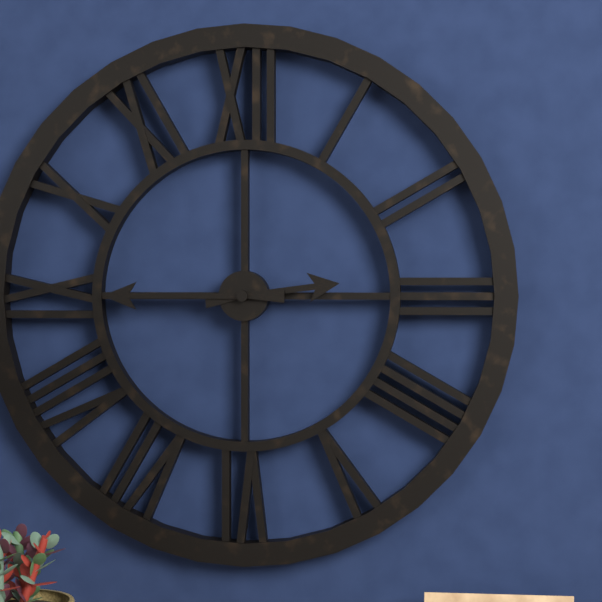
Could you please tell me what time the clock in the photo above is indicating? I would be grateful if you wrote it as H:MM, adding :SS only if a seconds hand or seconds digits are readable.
2:45
